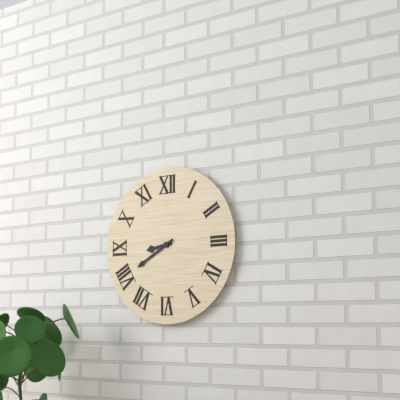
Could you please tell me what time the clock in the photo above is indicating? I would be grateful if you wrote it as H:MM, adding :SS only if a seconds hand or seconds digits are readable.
8:40
